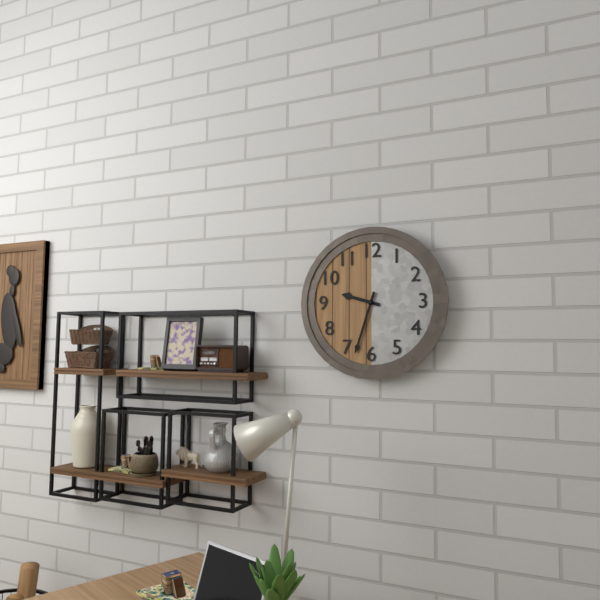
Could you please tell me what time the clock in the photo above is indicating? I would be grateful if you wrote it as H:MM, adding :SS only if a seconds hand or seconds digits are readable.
9:33
